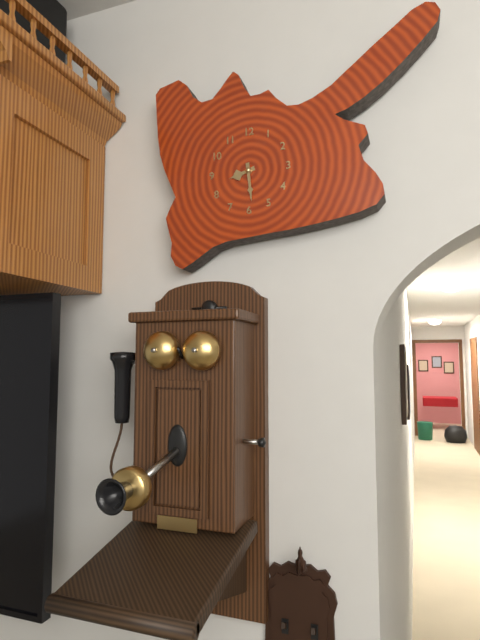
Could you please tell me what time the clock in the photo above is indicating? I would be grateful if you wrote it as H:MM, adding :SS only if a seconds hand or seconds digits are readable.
8:29
